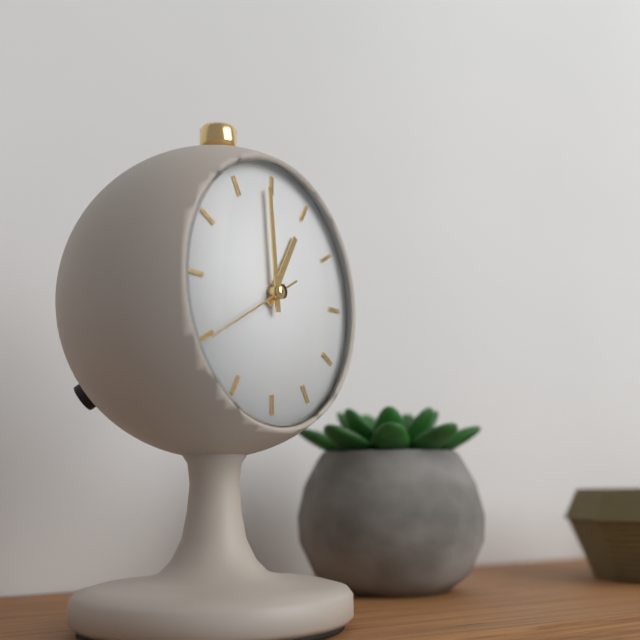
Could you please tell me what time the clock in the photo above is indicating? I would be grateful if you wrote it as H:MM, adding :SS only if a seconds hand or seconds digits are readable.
12:59:40
